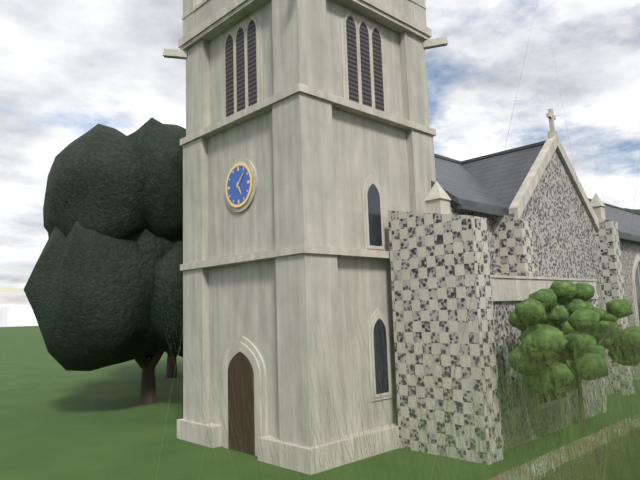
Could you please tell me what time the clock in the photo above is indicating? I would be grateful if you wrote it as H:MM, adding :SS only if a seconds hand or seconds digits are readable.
5:07
